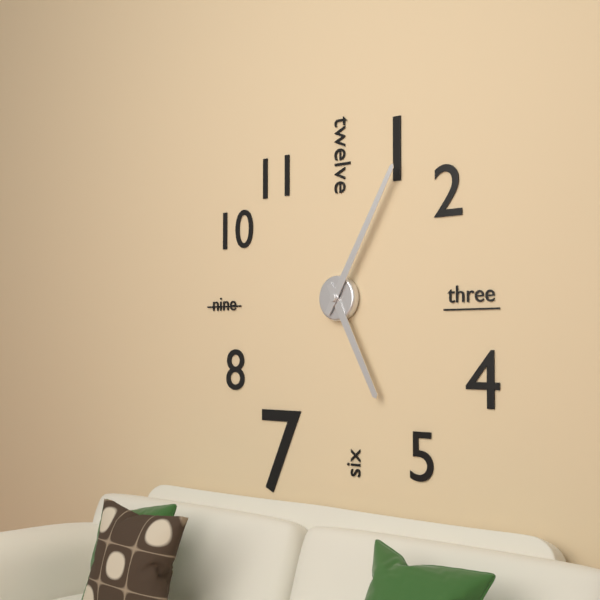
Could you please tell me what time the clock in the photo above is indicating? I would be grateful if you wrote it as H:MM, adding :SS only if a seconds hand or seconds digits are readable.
5:05
